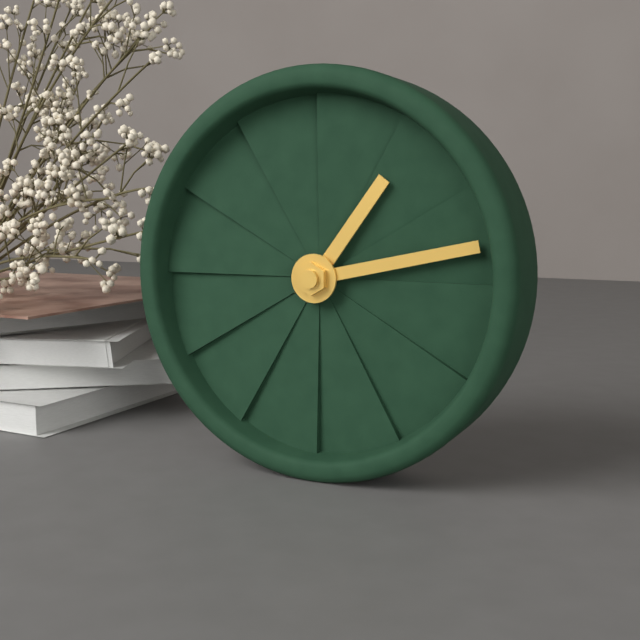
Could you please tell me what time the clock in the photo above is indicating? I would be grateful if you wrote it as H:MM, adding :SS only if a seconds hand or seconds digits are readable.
1:13
